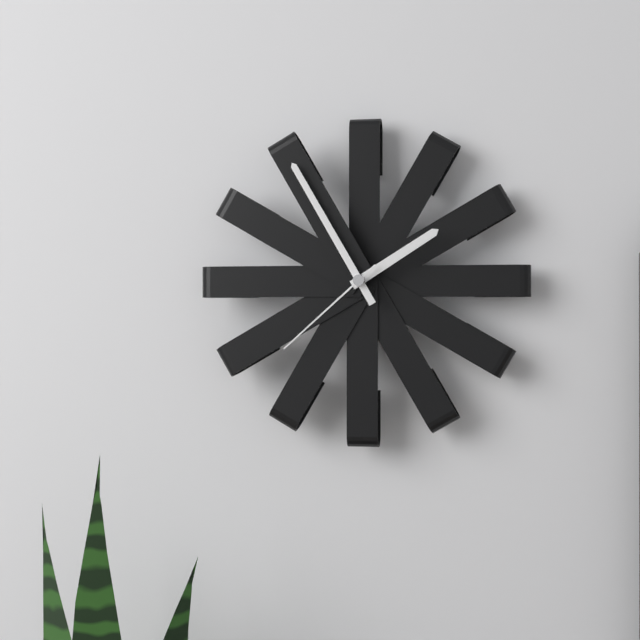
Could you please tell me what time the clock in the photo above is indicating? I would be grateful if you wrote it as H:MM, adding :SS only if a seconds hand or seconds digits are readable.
1:55:38
